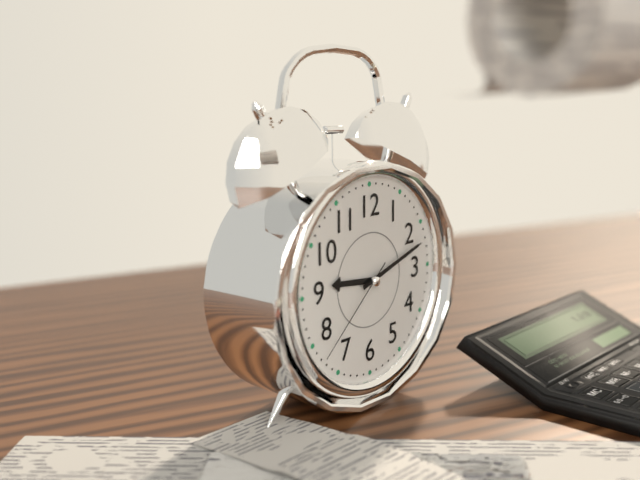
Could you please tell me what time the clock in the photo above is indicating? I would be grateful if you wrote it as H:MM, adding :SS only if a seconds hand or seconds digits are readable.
9:12:38
